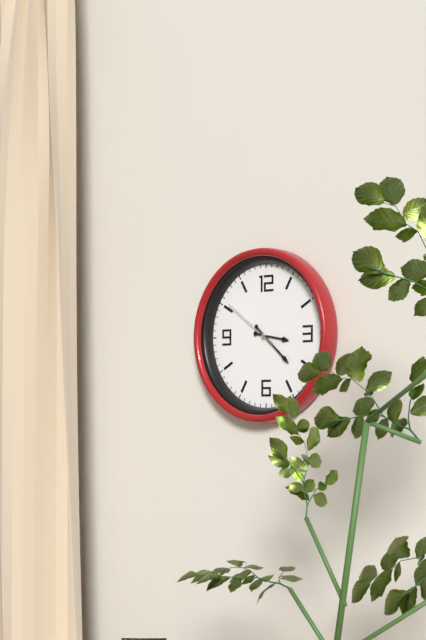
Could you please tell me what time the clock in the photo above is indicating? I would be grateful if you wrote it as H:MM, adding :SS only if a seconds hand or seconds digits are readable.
3:22:51
